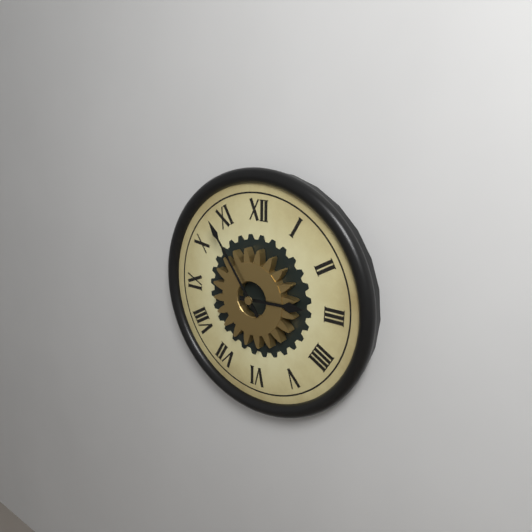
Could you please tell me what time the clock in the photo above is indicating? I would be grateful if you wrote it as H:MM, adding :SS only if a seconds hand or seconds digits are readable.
2:54
